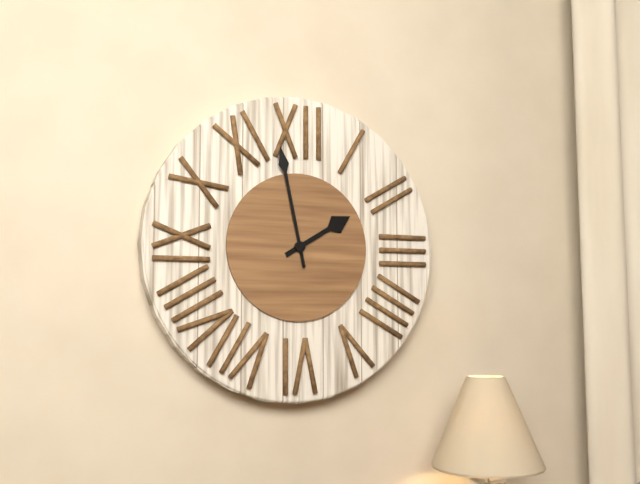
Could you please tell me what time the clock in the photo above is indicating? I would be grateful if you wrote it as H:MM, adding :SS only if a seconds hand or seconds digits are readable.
1:58
